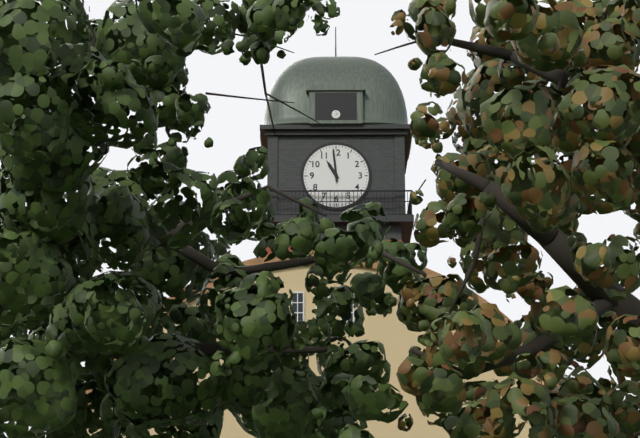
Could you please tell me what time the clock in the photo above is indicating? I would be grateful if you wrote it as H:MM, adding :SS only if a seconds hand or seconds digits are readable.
10:59
